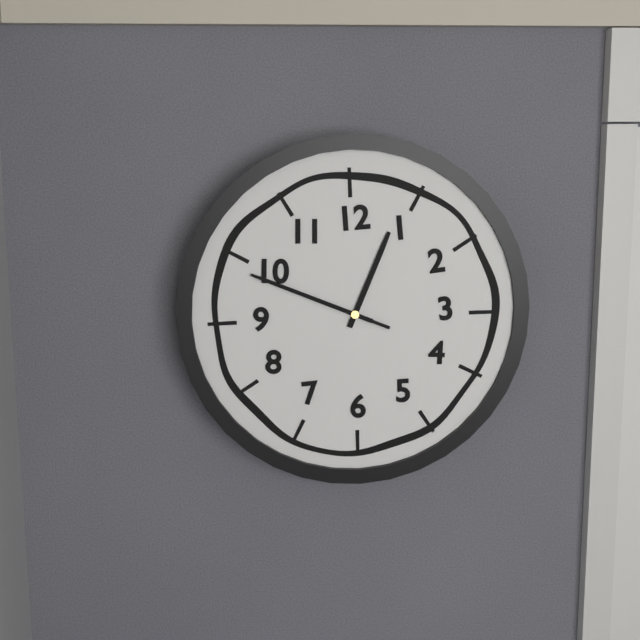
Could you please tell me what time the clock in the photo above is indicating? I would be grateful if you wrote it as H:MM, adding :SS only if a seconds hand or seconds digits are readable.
12:49:49
